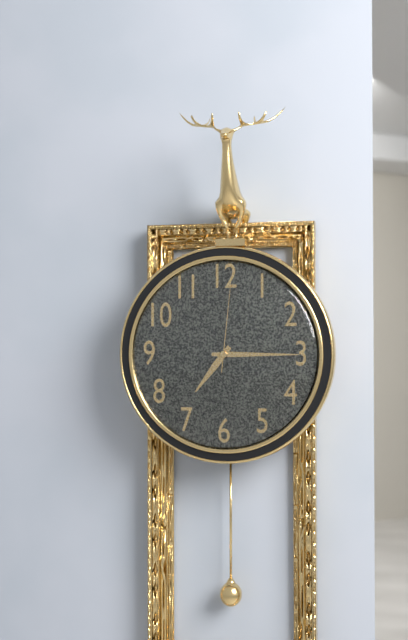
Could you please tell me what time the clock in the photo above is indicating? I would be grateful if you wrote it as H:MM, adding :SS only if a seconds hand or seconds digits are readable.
7:15:01
